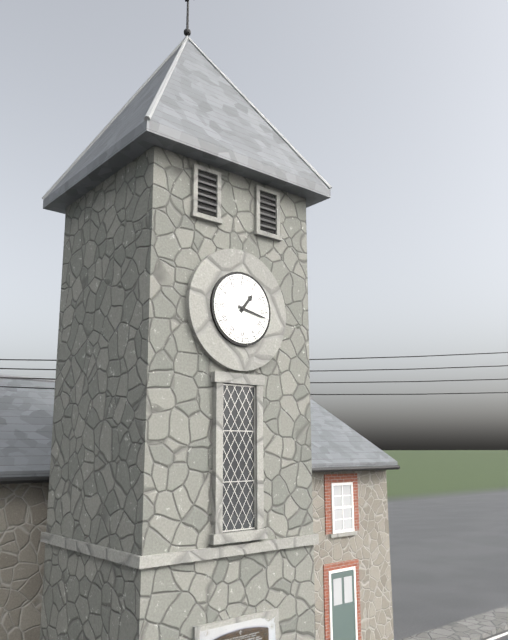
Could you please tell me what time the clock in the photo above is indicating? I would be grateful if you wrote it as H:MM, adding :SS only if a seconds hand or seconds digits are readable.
1:17
